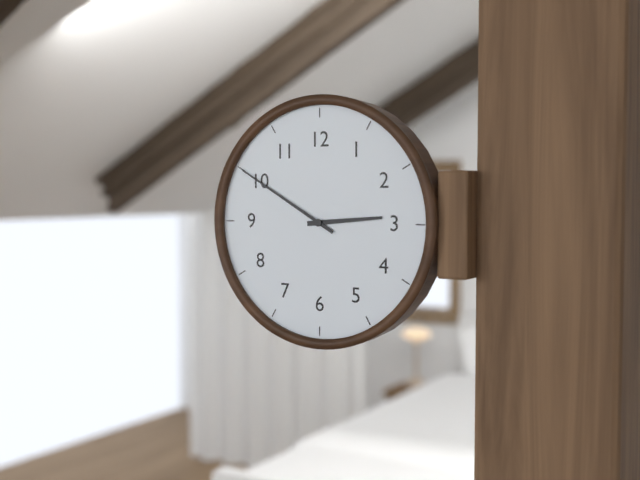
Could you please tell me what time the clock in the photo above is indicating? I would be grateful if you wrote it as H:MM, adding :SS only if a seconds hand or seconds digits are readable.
2:50
